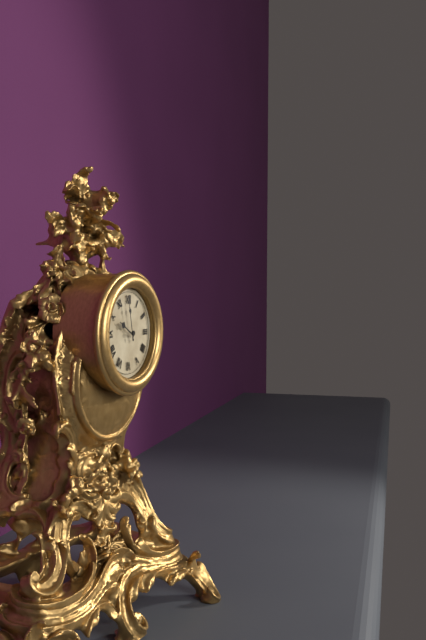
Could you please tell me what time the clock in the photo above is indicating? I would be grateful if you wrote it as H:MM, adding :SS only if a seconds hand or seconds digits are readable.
9:58
